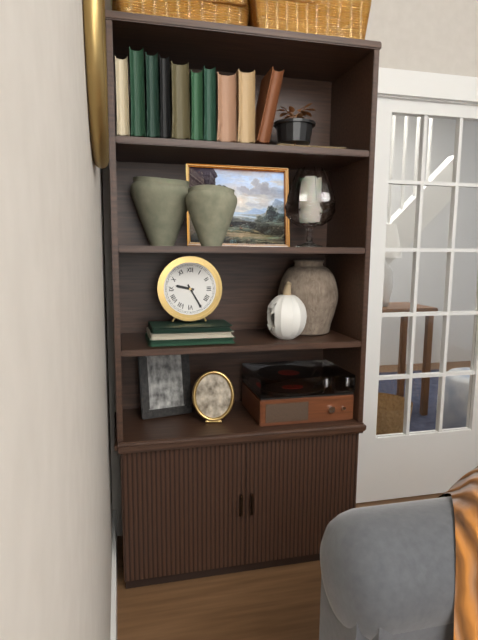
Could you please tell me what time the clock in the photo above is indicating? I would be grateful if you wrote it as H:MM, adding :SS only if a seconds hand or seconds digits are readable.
9:25
